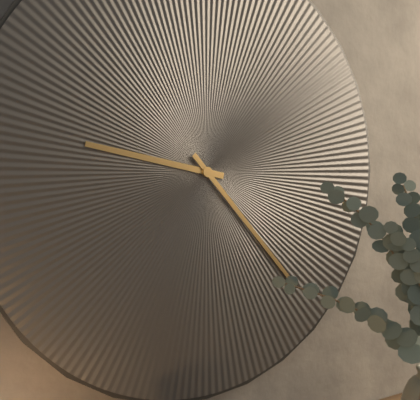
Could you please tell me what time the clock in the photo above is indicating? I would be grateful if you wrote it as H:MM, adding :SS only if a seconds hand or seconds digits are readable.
9:23
